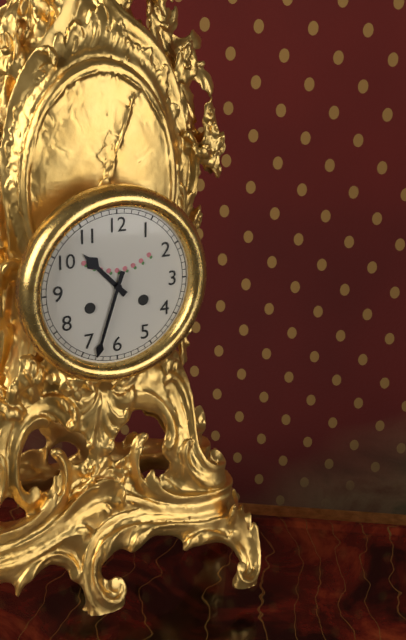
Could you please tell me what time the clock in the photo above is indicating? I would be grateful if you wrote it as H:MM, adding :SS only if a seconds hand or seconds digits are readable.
10:33
